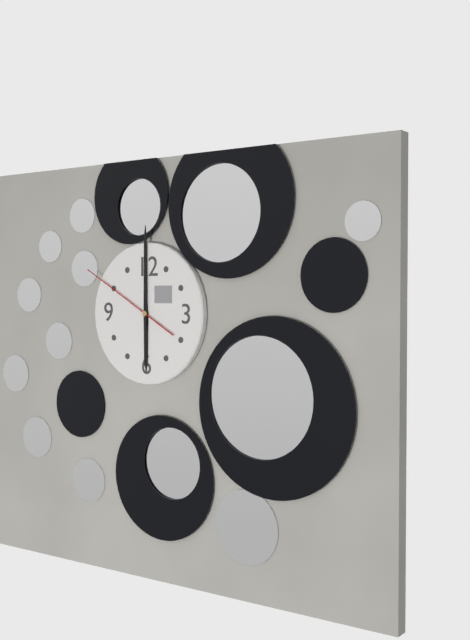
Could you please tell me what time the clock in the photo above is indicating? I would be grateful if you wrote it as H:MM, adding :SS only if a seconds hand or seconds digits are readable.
6:00:50
